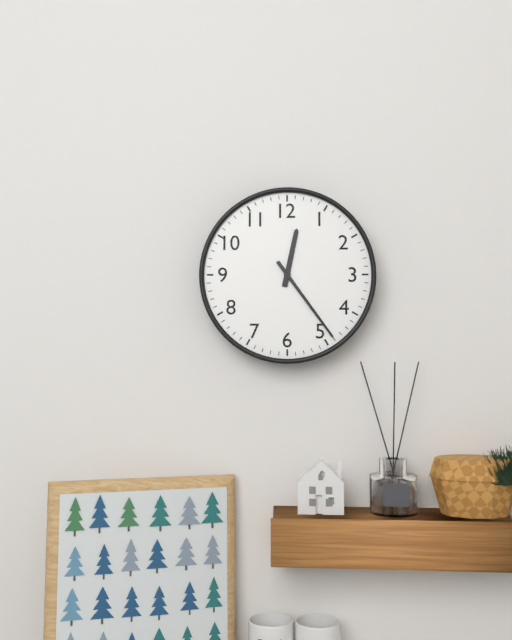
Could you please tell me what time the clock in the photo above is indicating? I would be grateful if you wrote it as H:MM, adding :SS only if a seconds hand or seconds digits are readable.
12:24
